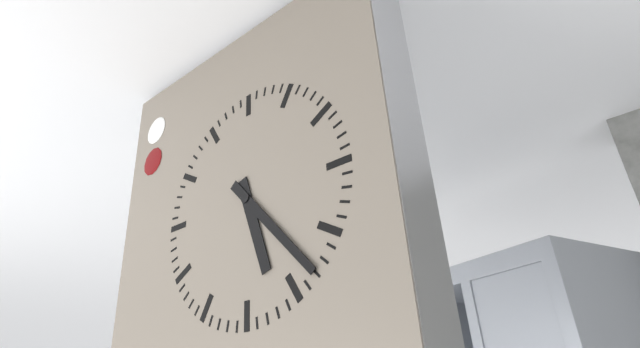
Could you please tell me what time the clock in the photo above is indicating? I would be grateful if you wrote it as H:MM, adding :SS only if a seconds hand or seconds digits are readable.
5:23
